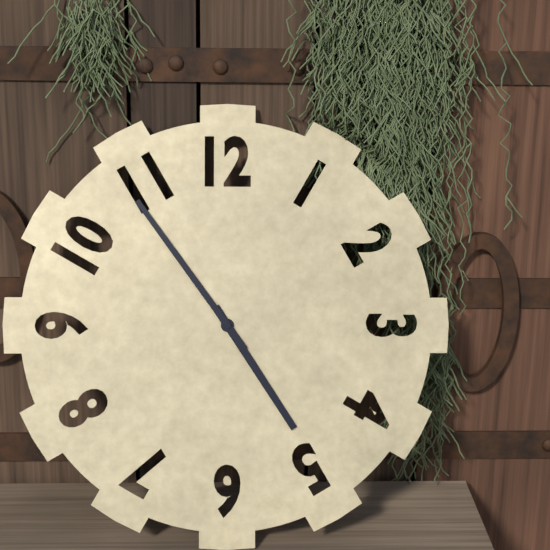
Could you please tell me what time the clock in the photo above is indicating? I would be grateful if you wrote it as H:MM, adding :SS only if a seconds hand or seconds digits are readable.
4:54
